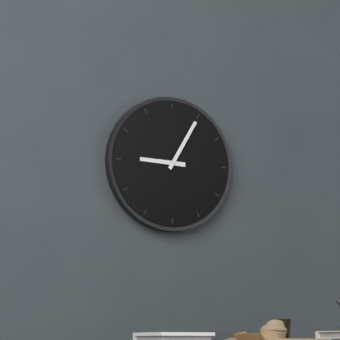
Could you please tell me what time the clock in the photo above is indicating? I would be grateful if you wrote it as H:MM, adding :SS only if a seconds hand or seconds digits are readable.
9:05
